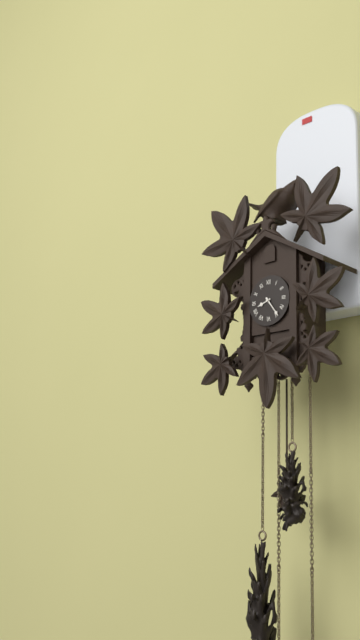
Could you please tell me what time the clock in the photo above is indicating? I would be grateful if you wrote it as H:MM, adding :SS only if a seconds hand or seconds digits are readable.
8:24
